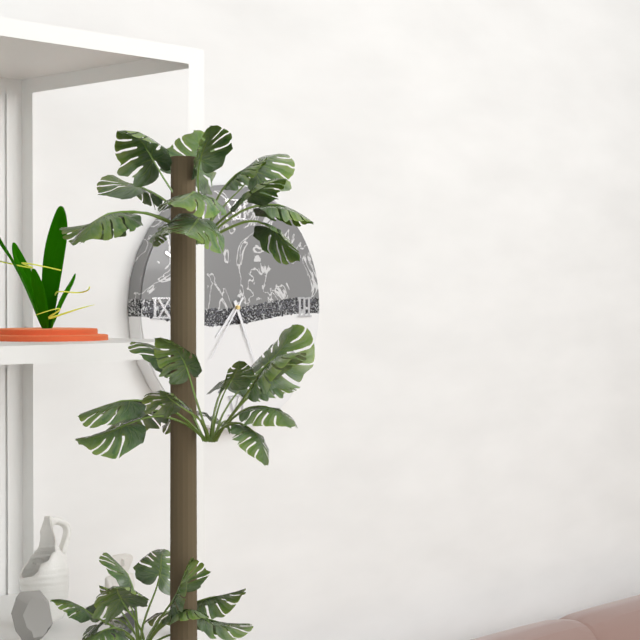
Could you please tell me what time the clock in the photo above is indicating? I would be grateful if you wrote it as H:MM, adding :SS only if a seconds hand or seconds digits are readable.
7:26:36
